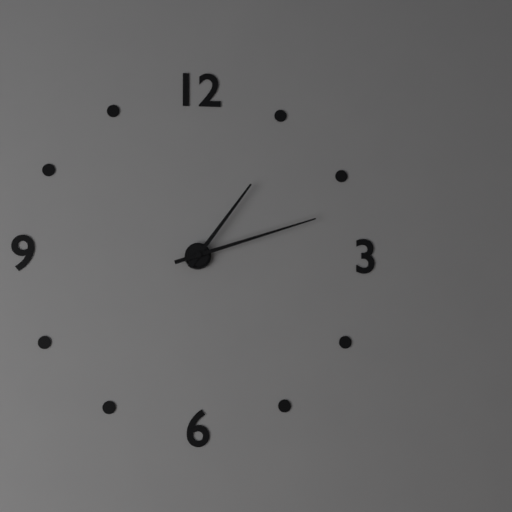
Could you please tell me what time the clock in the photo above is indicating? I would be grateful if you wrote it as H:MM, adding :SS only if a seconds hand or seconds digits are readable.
1:12
